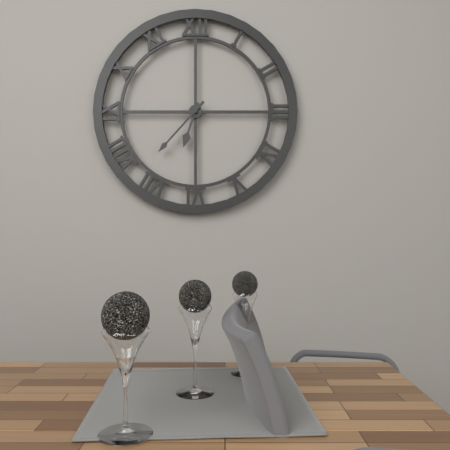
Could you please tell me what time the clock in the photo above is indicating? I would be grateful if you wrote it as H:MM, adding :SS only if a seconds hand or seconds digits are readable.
6:37
